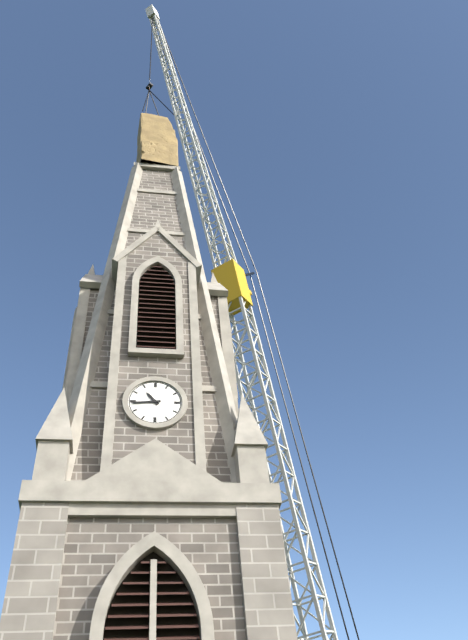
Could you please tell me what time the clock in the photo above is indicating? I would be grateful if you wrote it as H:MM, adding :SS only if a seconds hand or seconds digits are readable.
10:44
